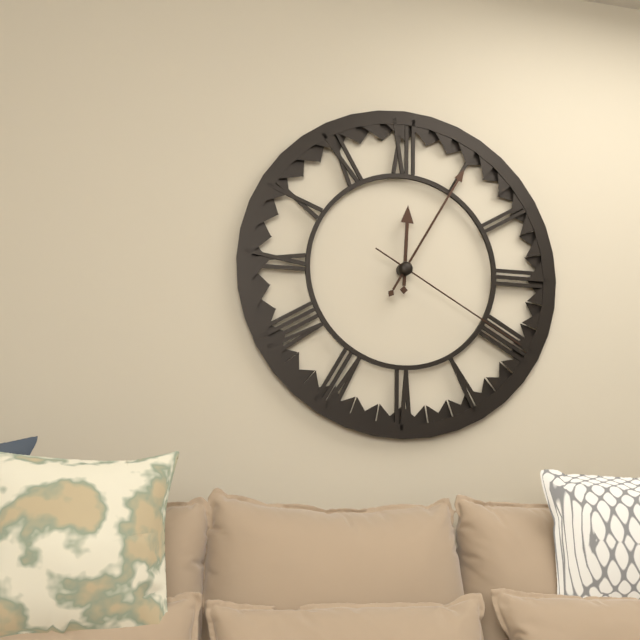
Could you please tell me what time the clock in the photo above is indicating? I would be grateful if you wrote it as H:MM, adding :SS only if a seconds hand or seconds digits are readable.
12:05:20
